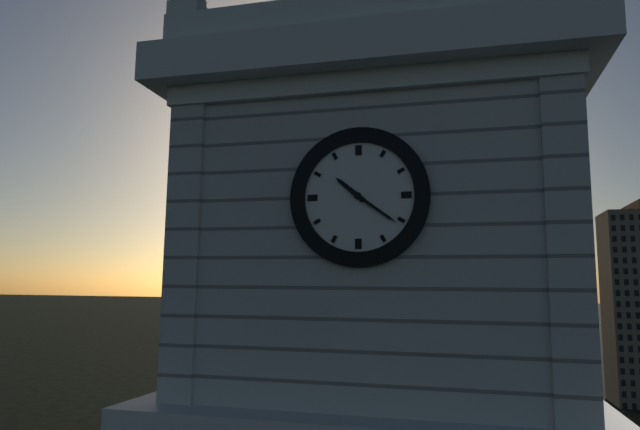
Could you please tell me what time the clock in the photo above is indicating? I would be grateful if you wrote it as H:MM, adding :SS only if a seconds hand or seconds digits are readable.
10:21
